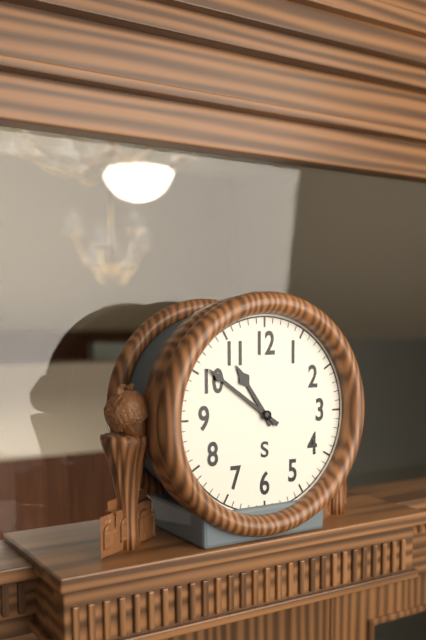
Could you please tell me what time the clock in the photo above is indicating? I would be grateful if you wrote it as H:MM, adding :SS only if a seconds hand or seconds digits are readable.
10:51
